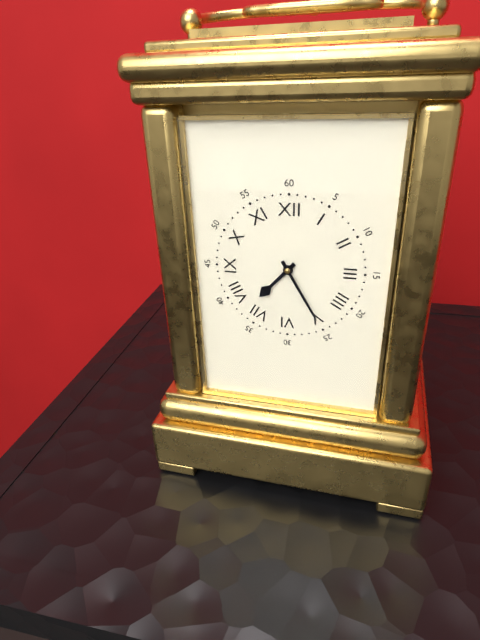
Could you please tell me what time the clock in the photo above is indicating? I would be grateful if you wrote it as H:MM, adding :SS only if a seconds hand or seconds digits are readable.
7:25
